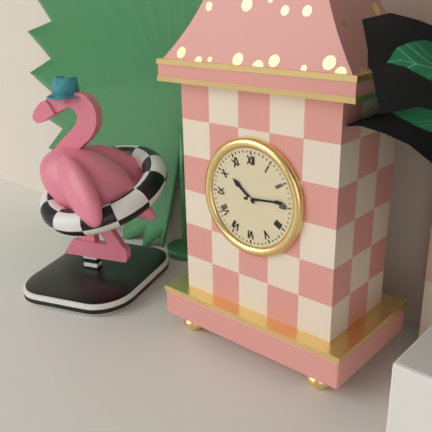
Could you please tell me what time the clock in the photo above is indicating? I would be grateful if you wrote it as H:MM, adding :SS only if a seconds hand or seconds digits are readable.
10:14
